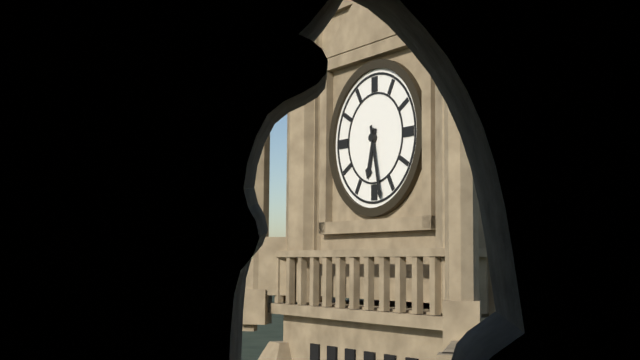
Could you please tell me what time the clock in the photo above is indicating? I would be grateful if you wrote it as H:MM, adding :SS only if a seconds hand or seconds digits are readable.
6:28
